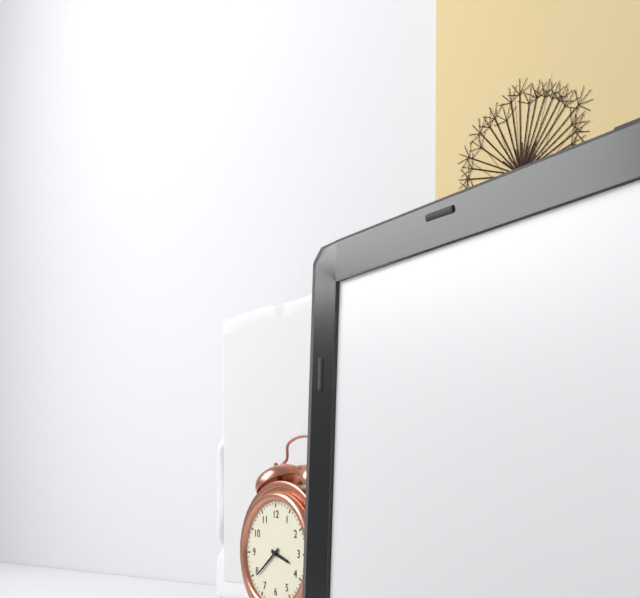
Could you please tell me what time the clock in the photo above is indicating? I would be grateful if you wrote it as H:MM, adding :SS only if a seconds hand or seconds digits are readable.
3:39
